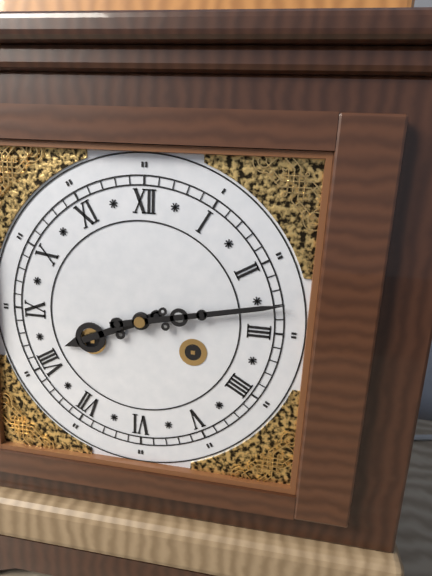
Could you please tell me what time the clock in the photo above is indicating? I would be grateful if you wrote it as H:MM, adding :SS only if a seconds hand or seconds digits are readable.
8:13
